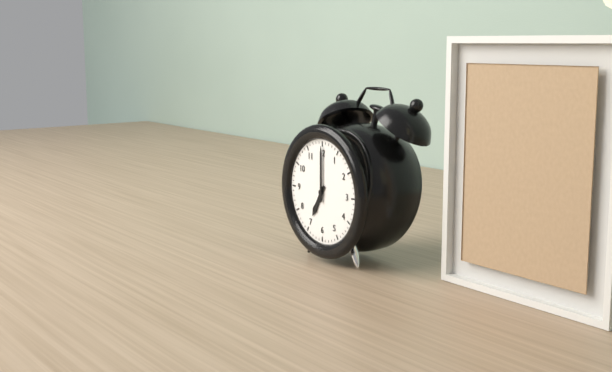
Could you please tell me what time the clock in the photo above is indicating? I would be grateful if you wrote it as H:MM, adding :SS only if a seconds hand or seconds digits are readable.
7:00
